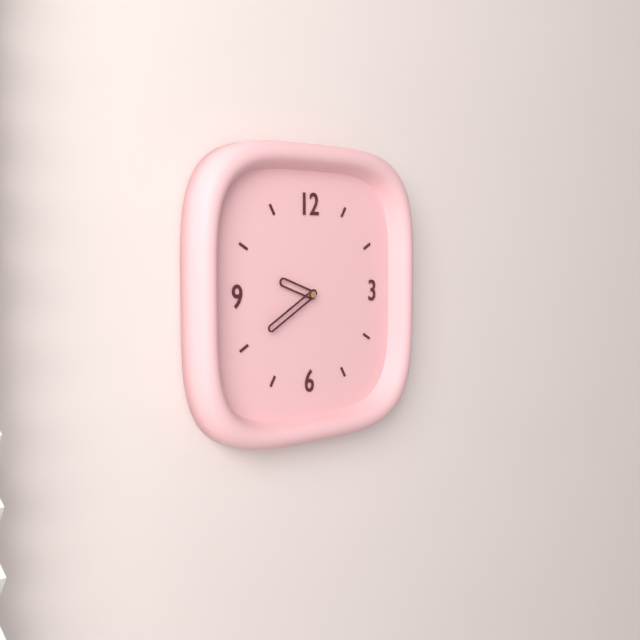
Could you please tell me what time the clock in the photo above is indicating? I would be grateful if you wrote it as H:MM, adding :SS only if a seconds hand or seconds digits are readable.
9:40
